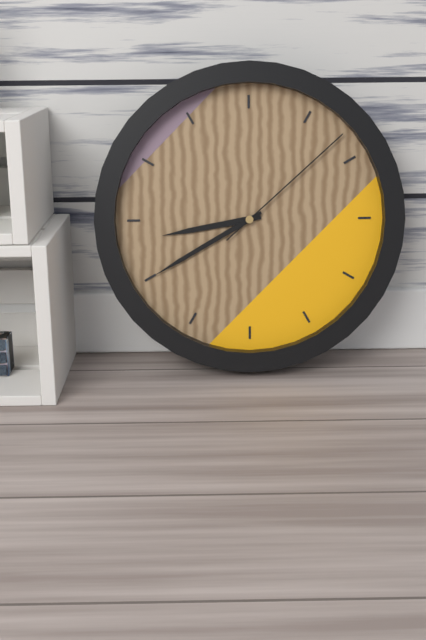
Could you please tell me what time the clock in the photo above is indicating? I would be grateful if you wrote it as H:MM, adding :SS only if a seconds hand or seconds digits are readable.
8:40:08
